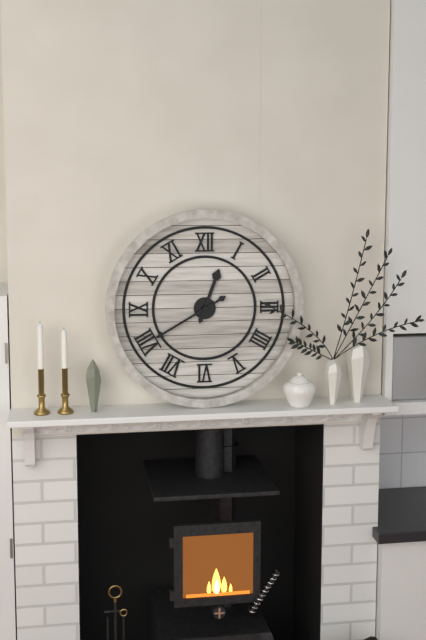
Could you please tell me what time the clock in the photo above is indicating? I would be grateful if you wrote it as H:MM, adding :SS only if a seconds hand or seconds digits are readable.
12:40
